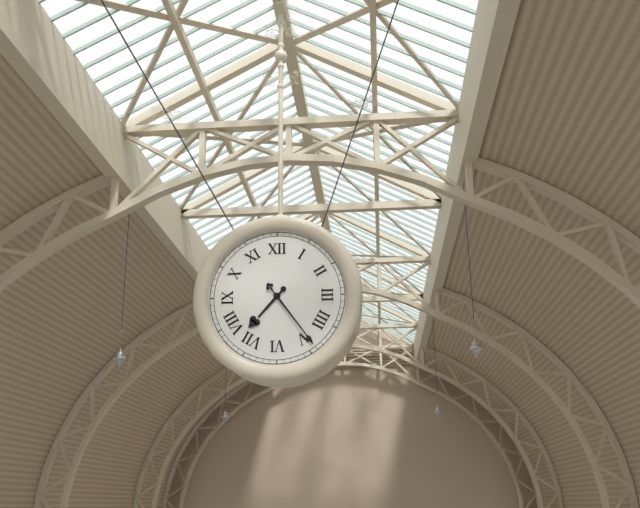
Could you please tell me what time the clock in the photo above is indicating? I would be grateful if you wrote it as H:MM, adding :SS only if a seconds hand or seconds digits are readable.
7:24
